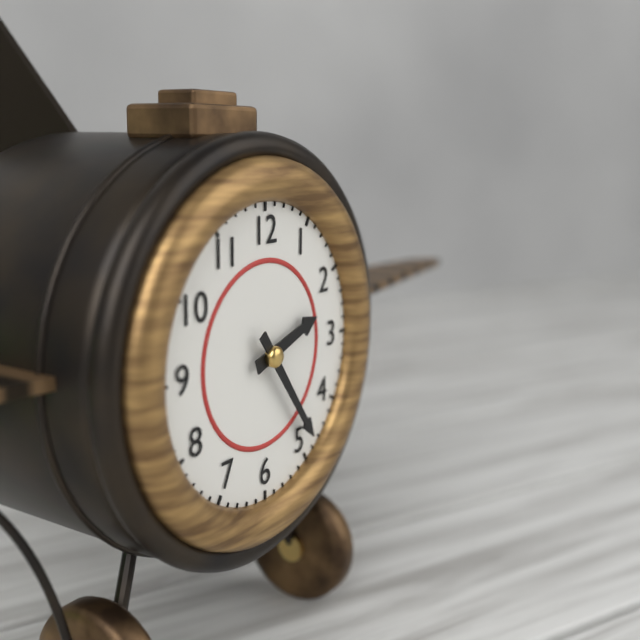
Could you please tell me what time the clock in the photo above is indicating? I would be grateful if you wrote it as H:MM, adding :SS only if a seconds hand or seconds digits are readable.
2:24
